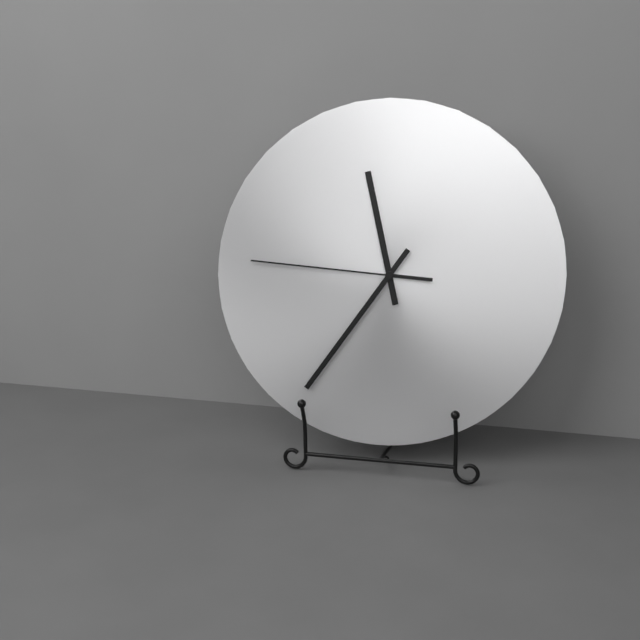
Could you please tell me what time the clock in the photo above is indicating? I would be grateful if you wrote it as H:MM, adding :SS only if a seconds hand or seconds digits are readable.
11:36:46
